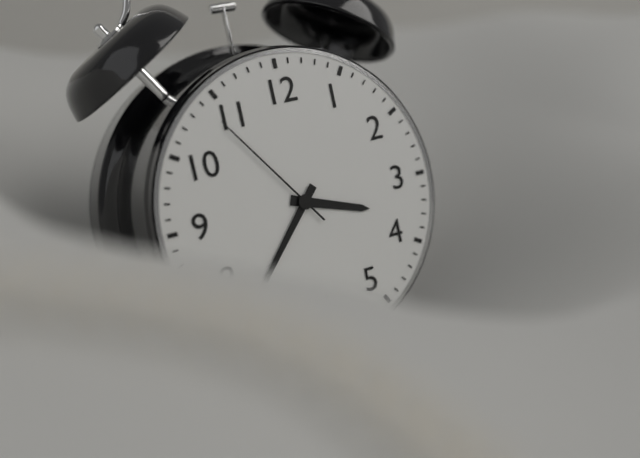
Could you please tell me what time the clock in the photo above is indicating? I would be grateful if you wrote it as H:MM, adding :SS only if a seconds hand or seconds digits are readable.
3:37:54
